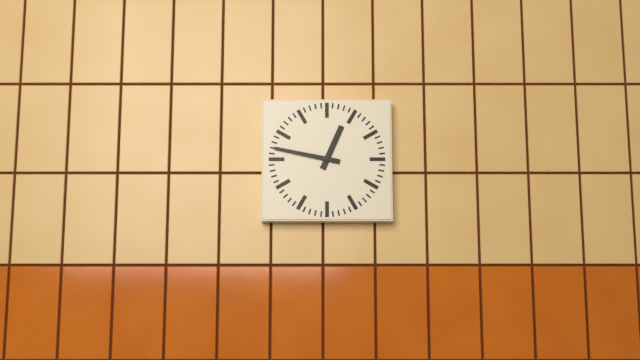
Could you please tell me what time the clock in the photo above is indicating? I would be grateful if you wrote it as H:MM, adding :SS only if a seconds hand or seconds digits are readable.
12:47
